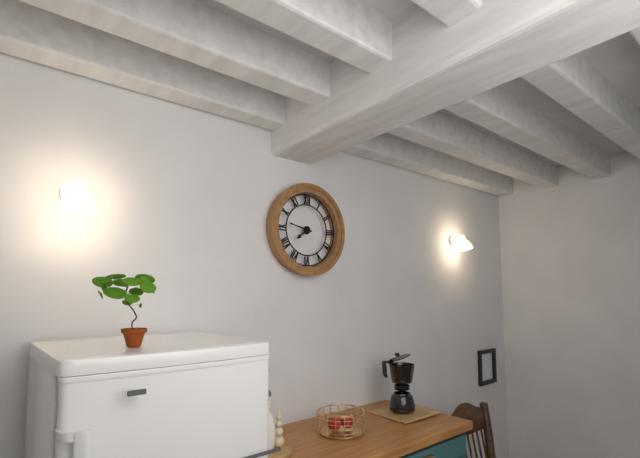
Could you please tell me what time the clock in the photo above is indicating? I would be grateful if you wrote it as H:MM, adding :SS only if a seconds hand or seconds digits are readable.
7:47
